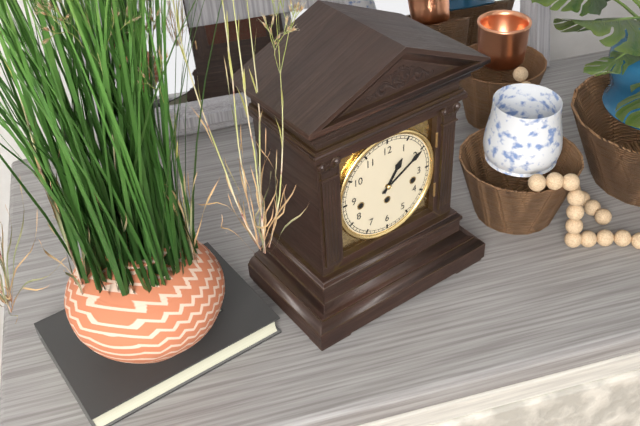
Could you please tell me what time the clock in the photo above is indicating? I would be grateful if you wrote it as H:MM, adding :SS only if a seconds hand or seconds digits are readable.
1:10
